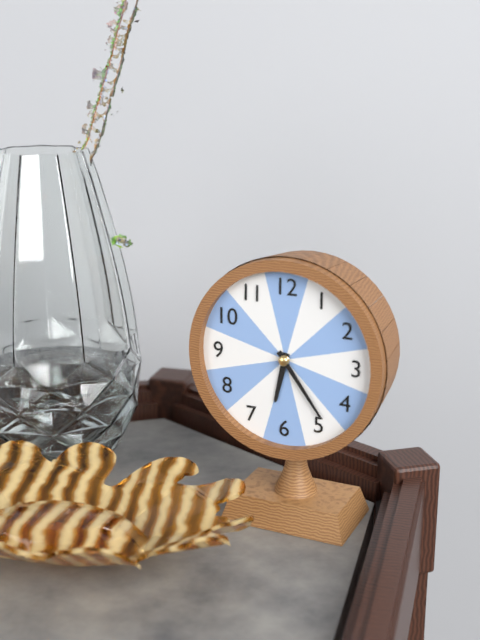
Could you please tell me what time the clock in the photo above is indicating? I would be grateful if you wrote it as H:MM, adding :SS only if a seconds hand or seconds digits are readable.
6:24
